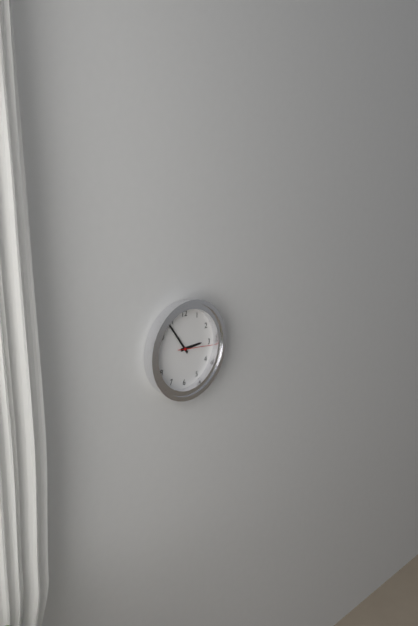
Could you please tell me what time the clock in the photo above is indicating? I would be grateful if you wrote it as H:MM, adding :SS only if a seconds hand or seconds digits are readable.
2:54
